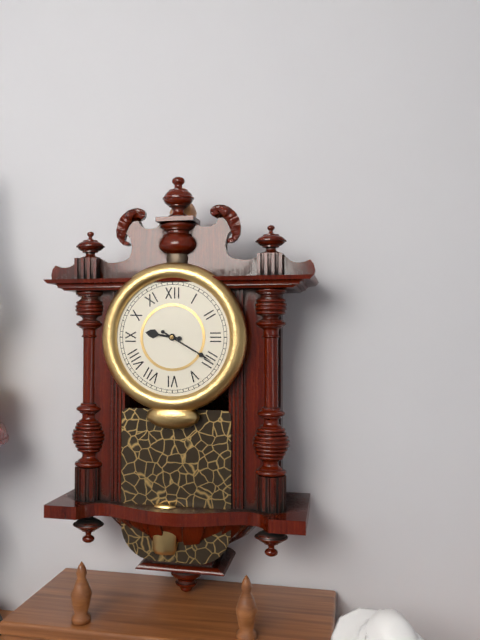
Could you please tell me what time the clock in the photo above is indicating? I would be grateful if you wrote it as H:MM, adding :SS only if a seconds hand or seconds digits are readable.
9:20
